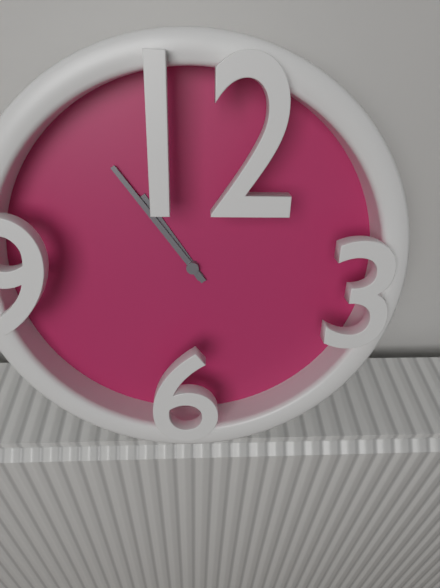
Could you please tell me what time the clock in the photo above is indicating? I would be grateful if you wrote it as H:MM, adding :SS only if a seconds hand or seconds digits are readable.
10:54
